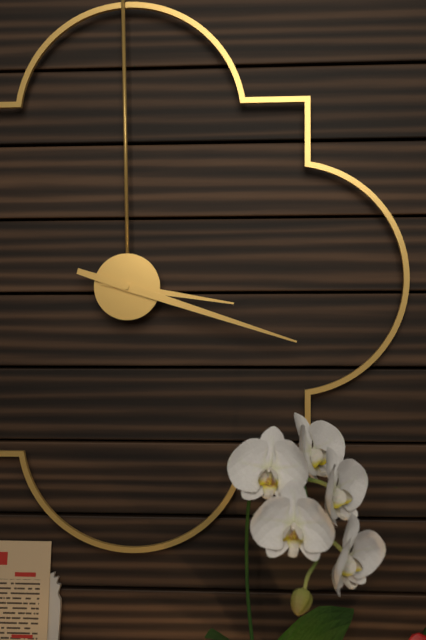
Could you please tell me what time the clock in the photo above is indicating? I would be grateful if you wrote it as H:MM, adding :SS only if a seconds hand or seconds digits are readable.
3:18
